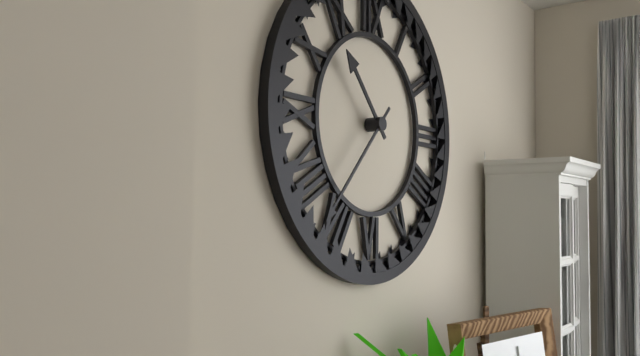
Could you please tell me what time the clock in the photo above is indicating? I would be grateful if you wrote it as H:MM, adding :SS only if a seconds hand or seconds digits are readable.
10:37
